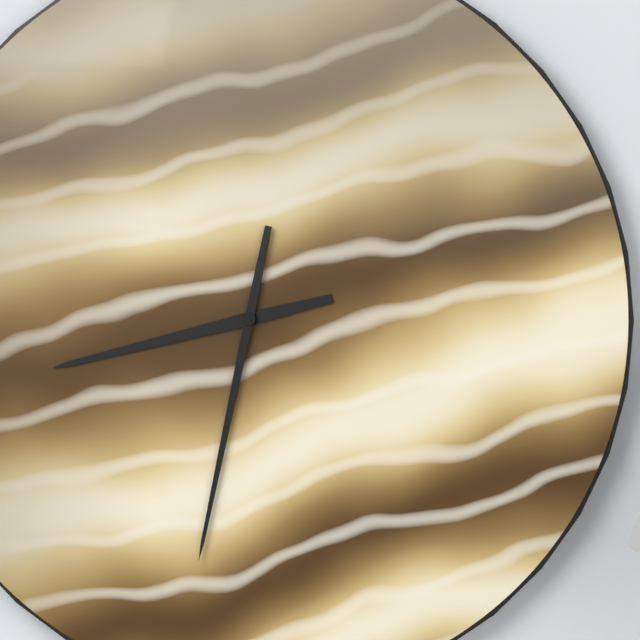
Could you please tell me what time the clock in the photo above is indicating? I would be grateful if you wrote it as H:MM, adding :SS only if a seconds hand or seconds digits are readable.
8:32
